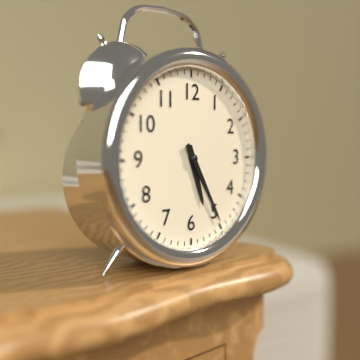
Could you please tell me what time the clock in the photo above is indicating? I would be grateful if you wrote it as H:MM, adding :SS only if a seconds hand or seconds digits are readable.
5:25
